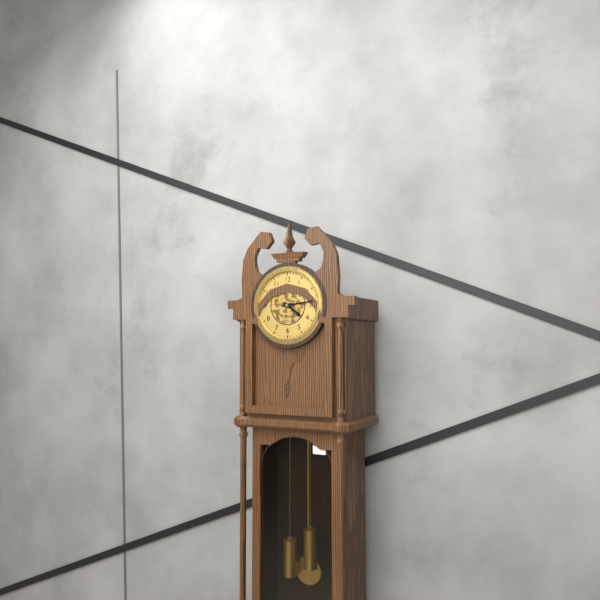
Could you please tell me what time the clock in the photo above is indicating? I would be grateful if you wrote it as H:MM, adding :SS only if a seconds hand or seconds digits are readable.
4:14
